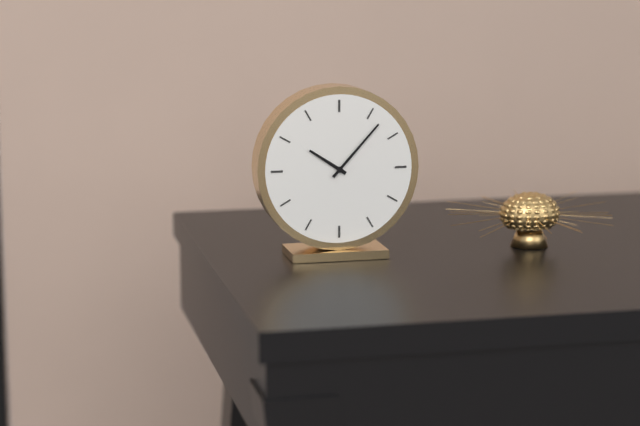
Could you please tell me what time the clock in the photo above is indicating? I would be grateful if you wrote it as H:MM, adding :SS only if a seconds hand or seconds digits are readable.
10:07
